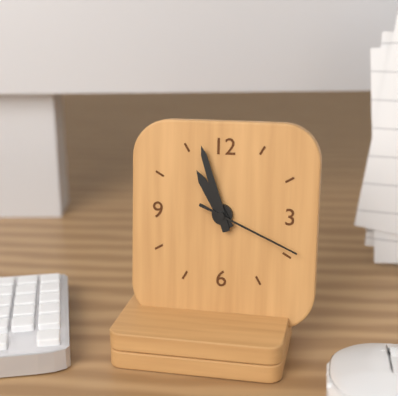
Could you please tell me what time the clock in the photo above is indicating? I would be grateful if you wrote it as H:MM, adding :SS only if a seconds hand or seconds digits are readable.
10:57:19
